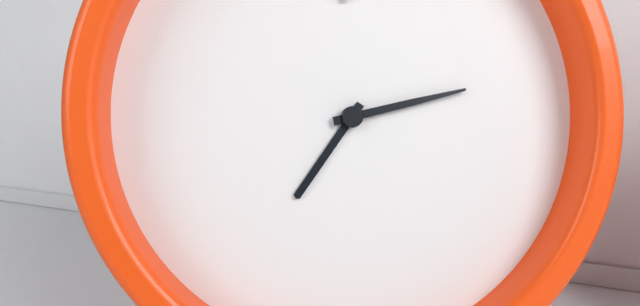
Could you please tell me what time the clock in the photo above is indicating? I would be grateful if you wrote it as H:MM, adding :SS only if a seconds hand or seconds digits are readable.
7:13
